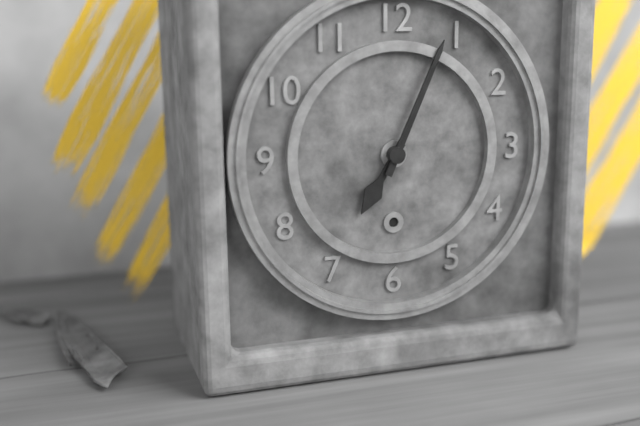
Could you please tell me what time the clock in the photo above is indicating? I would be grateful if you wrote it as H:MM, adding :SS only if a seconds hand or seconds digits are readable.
7:04
